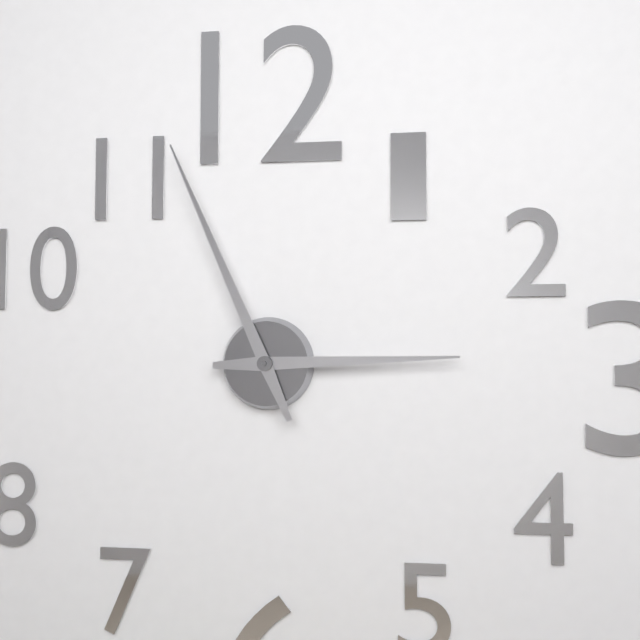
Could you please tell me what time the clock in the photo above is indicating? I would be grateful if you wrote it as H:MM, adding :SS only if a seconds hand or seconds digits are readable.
2:56
